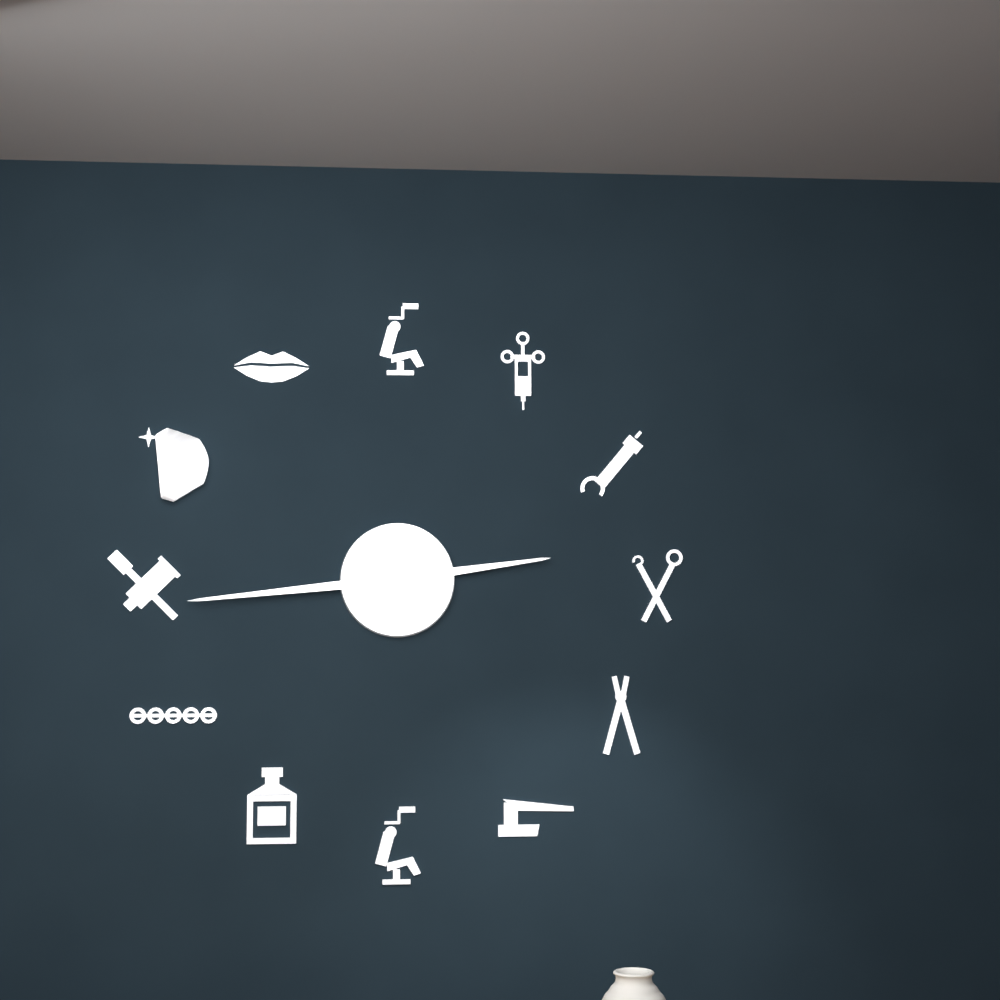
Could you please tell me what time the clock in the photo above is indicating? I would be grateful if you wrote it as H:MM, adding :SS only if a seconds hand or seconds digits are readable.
2:44
